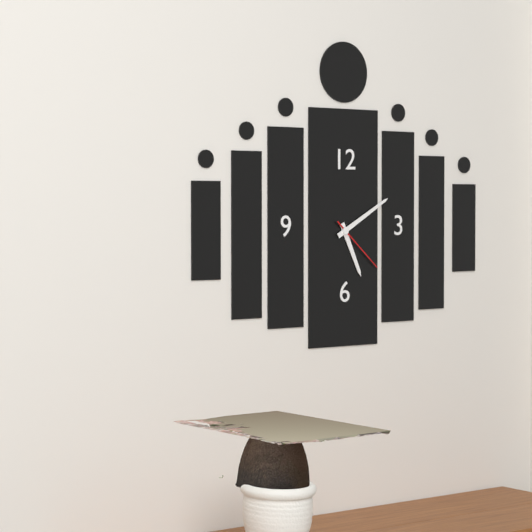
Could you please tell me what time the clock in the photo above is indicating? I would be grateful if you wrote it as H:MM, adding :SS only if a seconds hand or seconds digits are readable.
5:10:22
